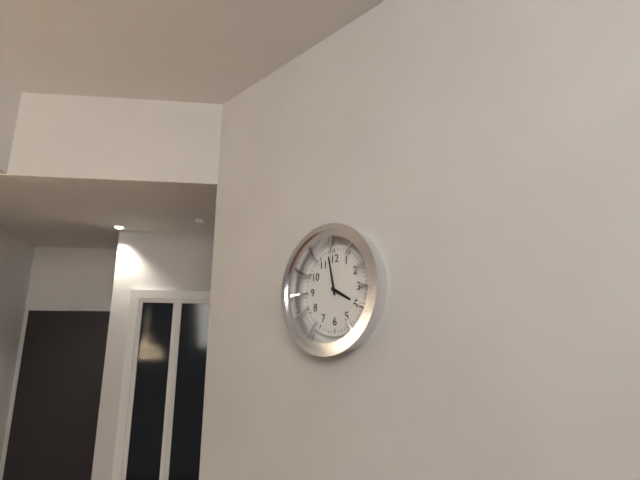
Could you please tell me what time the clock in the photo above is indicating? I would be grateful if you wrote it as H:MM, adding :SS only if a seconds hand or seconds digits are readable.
3:58
